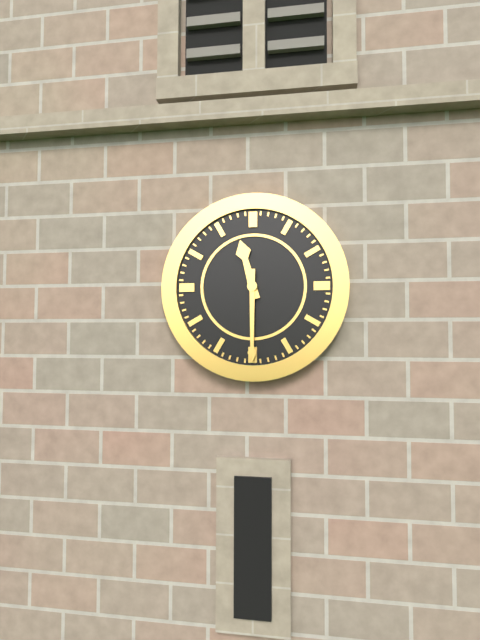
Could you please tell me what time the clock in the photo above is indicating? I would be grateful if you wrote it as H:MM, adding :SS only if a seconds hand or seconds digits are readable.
11:30
